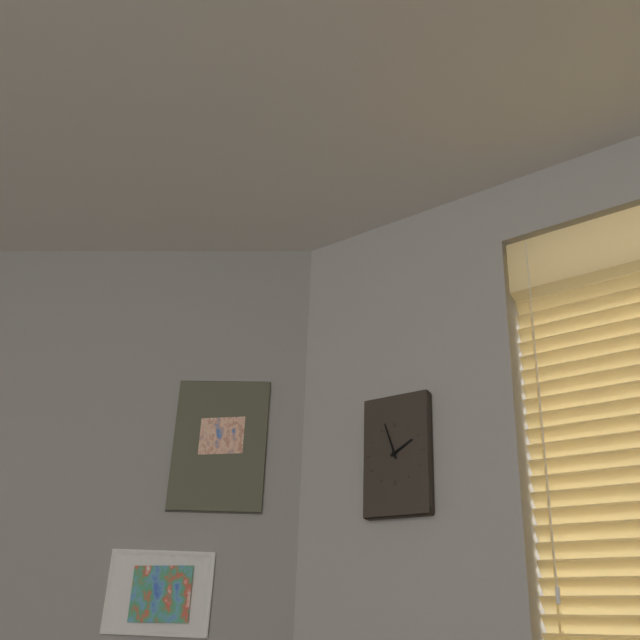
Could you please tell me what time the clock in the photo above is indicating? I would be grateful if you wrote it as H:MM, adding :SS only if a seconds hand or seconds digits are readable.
1:57
